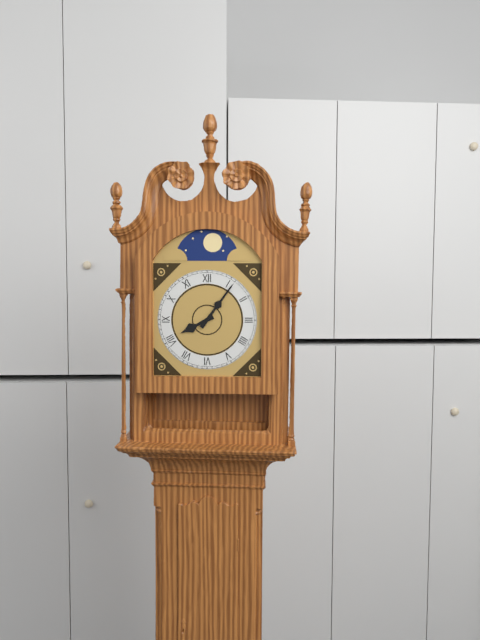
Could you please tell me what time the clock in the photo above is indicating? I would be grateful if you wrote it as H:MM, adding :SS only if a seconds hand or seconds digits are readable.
8:06
